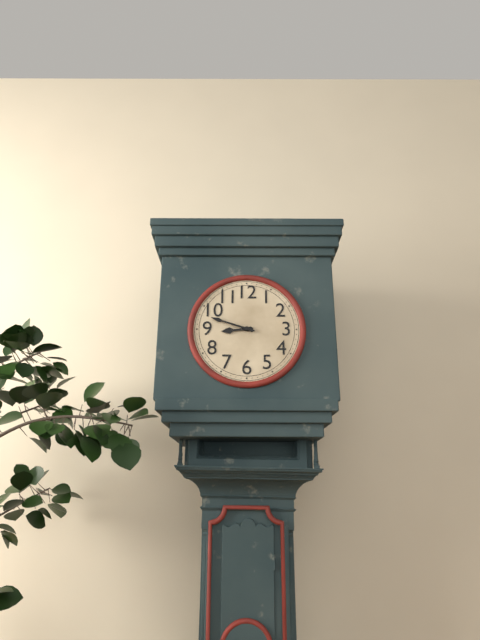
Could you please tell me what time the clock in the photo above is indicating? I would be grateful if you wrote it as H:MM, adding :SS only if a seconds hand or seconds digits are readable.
8:48
